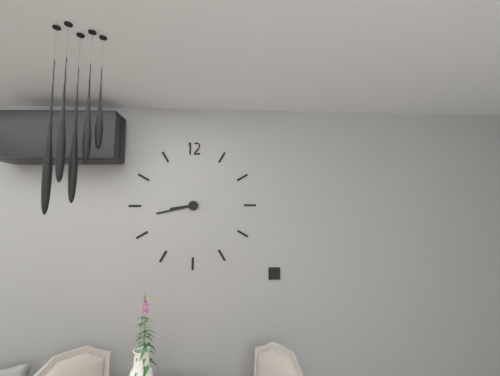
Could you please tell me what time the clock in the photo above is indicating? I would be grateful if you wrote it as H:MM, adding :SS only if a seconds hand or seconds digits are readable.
8:43
